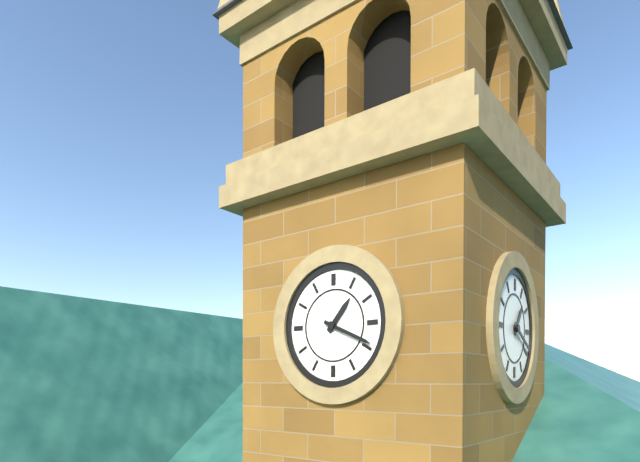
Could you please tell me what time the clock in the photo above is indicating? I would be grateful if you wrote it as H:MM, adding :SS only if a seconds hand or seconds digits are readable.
1:19
